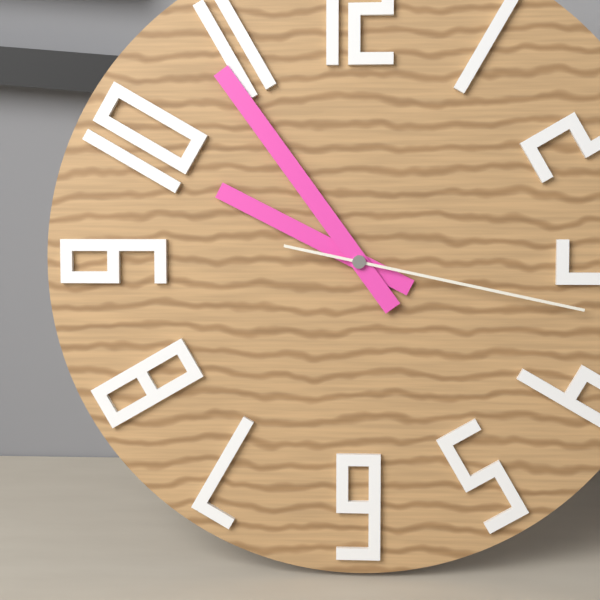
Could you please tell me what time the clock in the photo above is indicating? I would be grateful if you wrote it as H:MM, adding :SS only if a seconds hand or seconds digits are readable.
9:54:17
